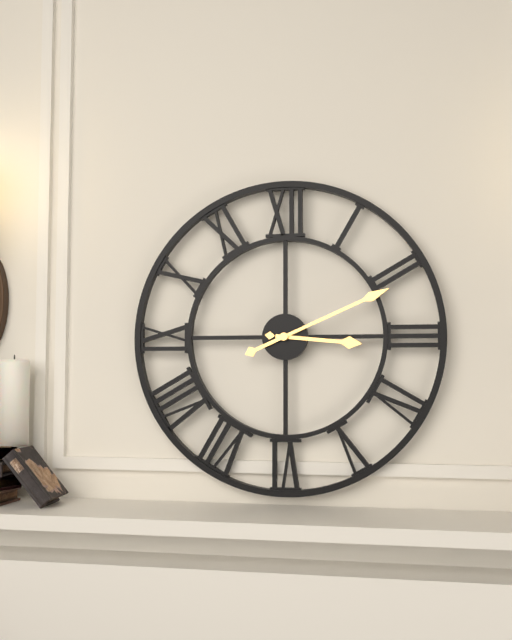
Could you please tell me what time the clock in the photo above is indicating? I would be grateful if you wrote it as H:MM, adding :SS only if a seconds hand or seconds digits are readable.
3:11
